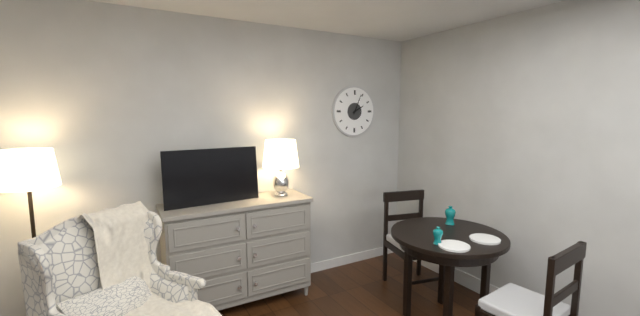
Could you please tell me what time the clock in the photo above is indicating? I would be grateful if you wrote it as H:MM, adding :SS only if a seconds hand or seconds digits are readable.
2:04
